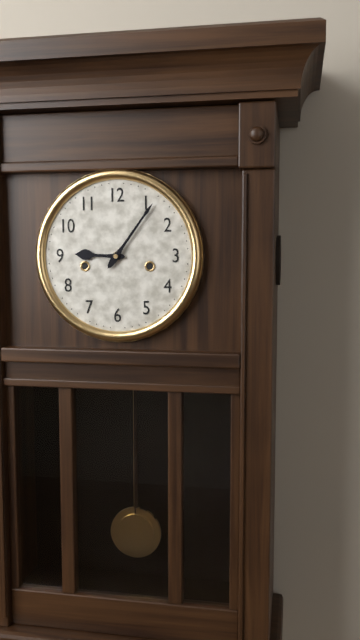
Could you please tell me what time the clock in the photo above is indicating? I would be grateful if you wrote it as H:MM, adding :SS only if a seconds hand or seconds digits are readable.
9:06
